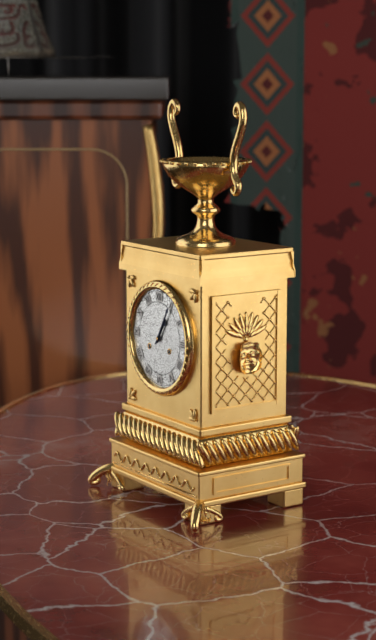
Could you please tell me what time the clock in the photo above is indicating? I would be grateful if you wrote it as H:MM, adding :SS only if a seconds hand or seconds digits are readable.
1:05
